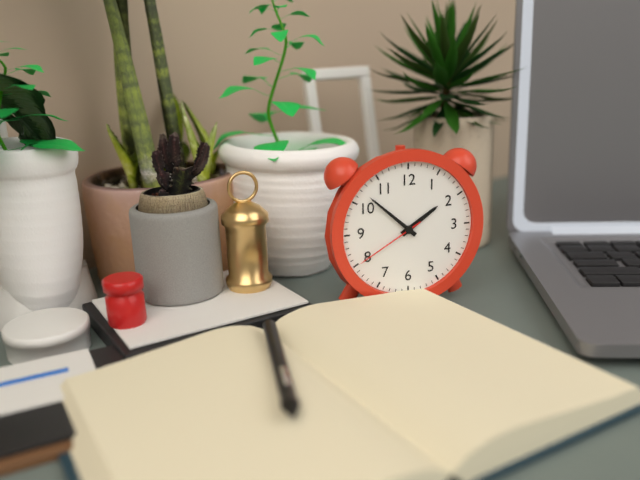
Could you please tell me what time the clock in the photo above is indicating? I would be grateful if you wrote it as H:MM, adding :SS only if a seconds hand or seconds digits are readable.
1:52:40
